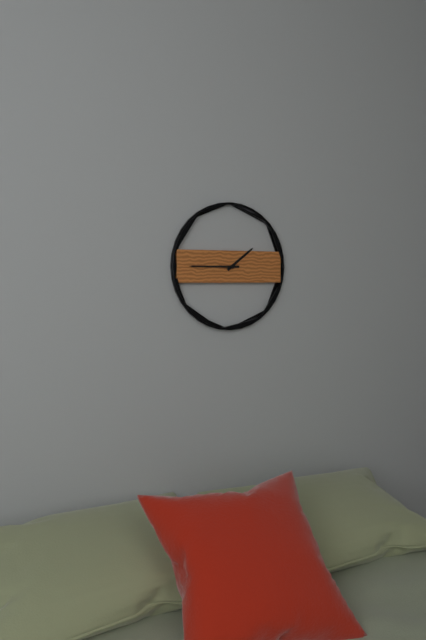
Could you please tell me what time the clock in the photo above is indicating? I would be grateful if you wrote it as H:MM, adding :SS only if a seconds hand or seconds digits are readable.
1:45
